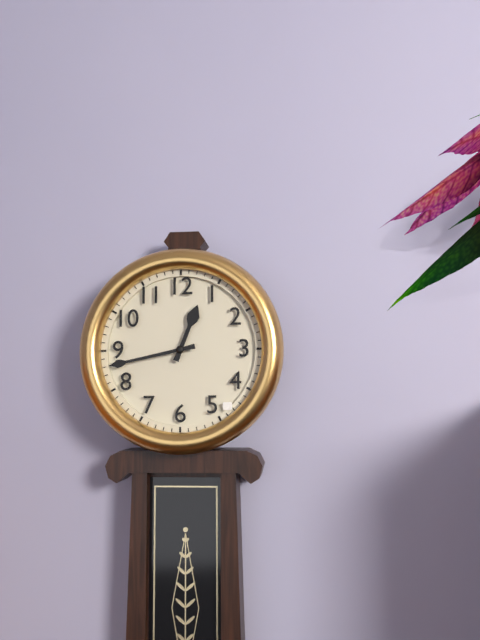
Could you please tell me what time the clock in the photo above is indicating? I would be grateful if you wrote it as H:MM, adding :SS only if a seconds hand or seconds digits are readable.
12:43
